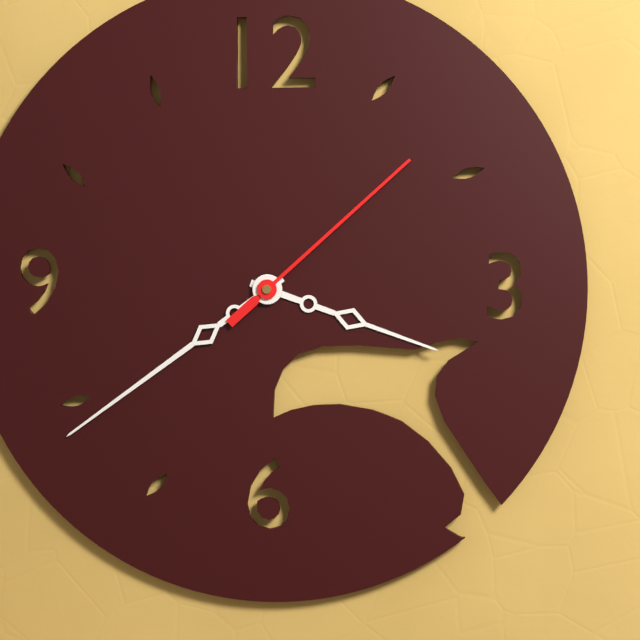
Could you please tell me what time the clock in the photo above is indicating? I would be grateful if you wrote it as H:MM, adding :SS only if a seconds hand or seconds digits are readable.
3:39:08
